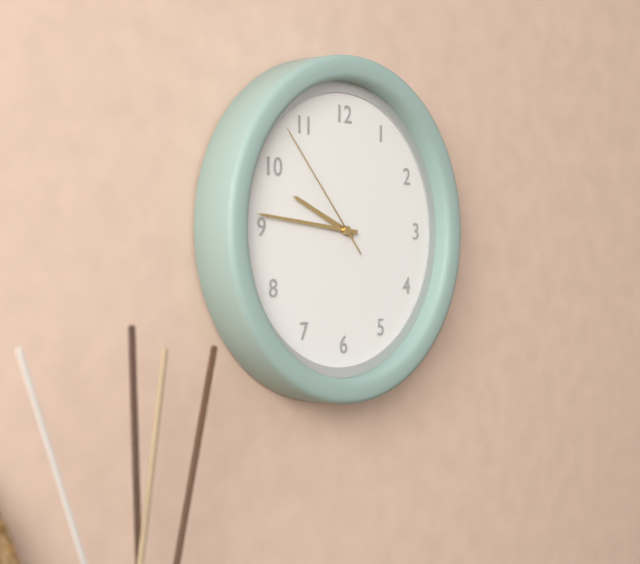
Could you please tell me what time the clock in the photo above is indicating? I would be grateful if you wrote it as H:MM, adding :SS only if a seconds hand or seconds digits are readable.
9:46:53
